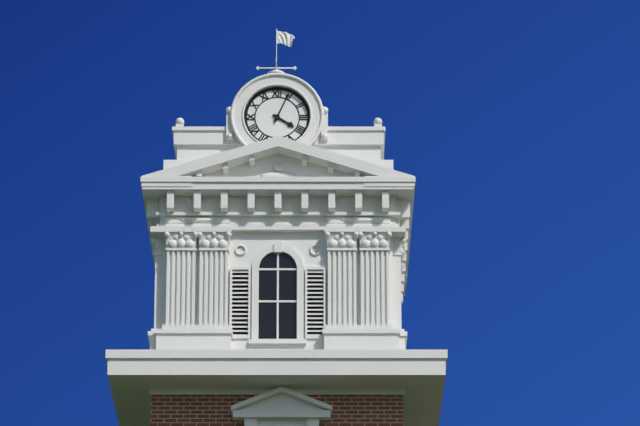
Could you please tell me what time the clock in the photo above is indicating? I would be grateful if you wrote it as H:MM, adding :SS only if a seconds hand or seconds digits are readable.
4:04
